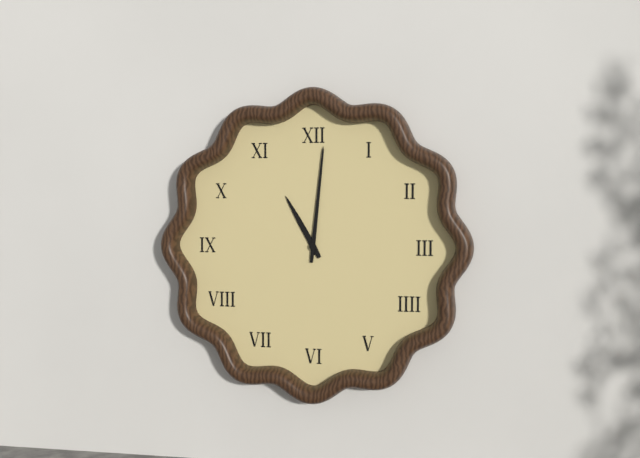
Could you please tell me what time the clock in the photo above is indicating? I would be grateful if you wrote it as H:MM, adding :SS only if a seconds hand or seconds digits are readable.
11:01
